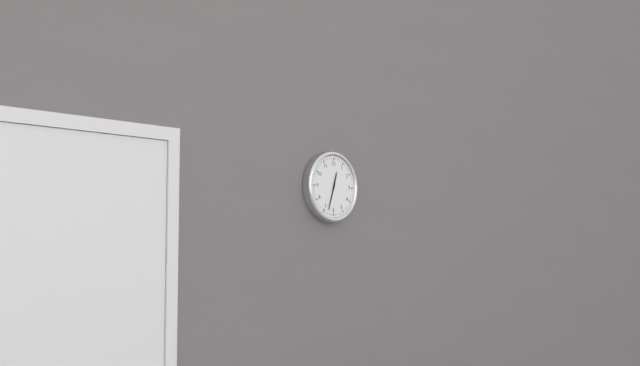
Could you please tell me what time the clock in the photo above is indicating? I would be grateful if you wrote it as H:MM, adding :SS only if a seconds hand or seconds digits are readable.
12:33
